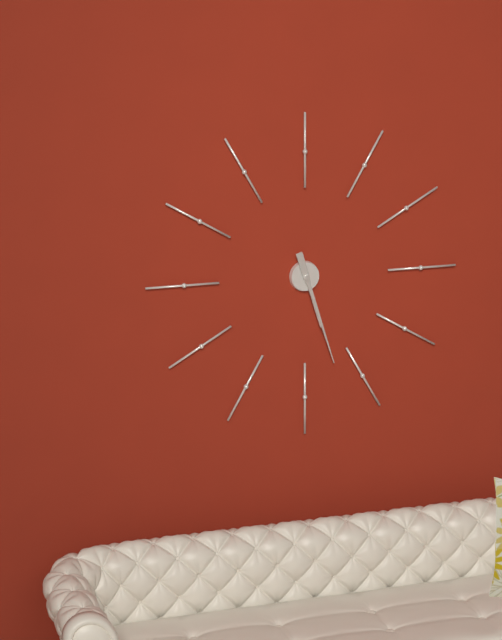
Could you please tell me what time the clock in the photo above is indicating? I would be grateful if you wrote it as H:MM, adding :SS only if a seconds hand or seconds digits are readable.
5:27
